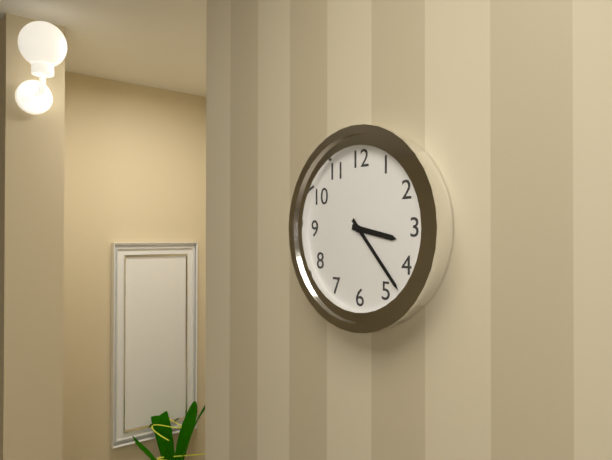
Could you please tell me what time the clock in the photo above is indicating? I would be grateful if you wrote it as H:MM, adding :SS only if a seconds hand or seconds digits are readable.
3:23
